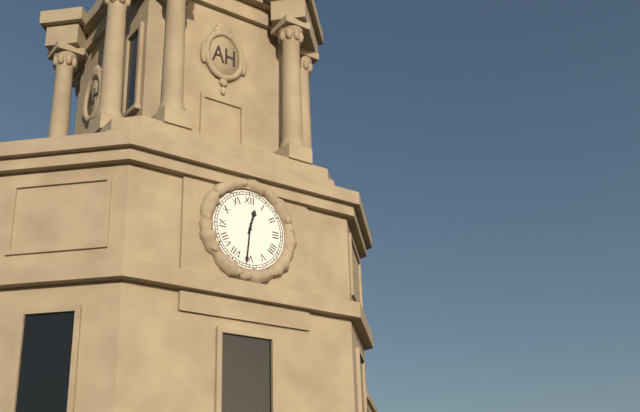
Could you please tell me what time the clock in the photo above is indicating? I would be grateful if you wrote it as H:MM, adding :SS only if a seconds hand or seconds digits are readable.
12:31
